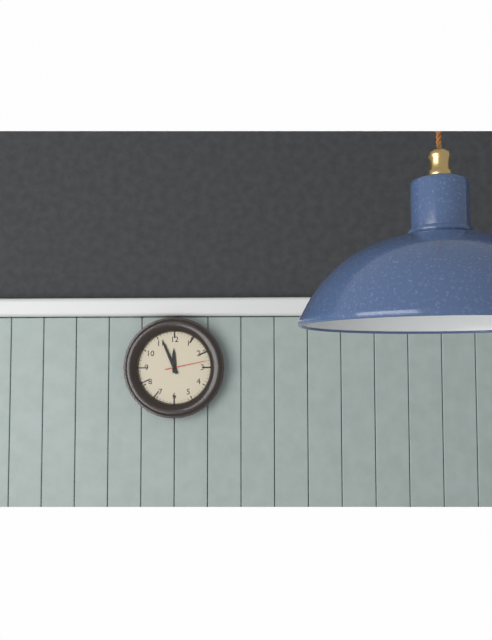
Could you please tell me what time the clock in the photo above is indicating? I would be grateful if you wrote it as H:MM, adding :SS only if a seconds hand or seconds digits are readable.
11:56
